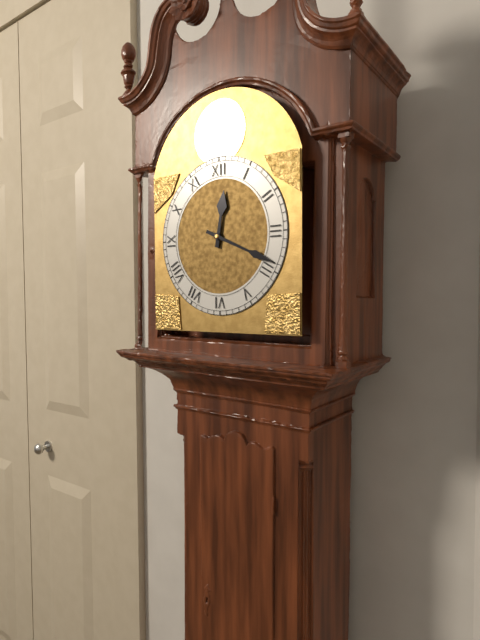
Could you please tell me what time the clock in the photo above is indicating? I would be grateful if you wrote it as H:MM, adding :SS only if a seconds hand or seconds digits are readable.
12:19
